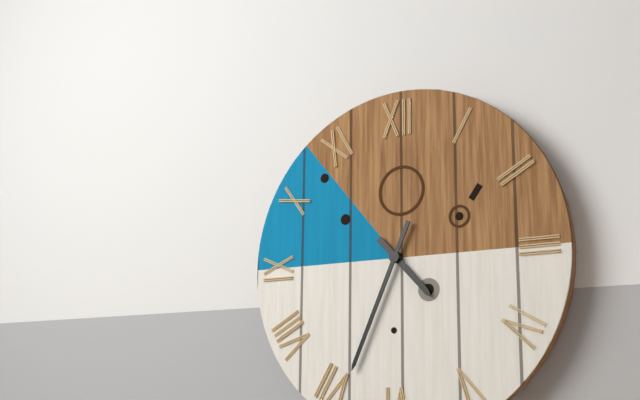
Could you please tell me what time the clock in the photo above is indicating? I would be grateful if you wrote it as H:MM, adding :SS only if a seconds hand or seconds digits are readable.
4:34
